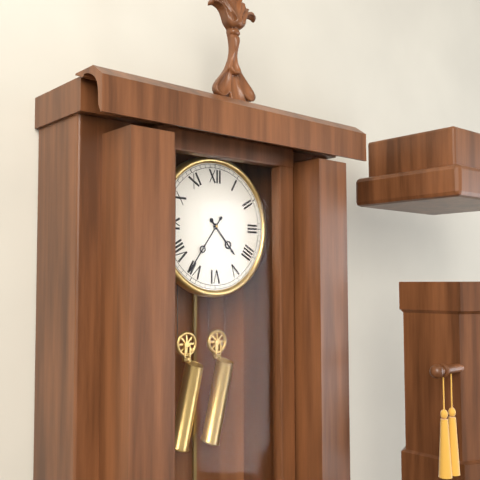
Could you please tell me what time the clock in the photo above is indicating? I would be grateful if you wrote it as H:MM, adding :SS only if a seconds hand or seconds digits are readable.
4:36
